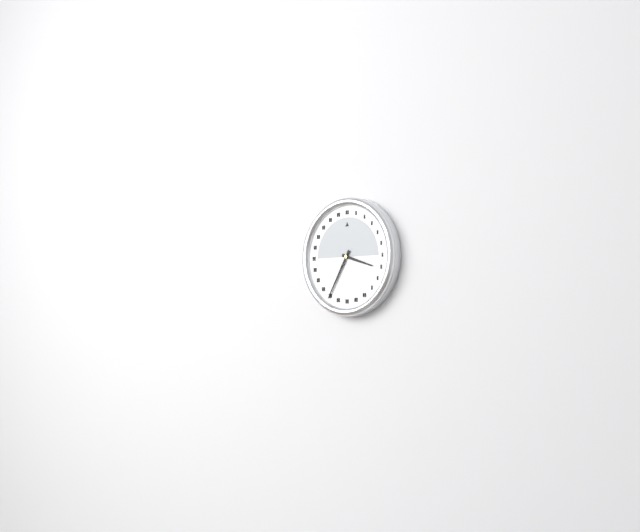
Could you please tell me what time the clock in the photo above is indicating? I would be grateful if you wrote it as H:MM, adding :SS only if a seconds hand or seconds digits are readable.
3:35
